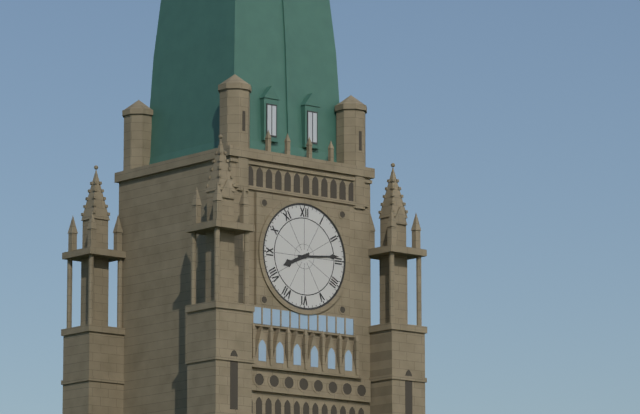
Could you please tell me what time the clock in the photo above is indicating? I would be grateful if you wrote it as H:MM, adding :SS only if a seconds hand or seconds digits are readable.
8:14
